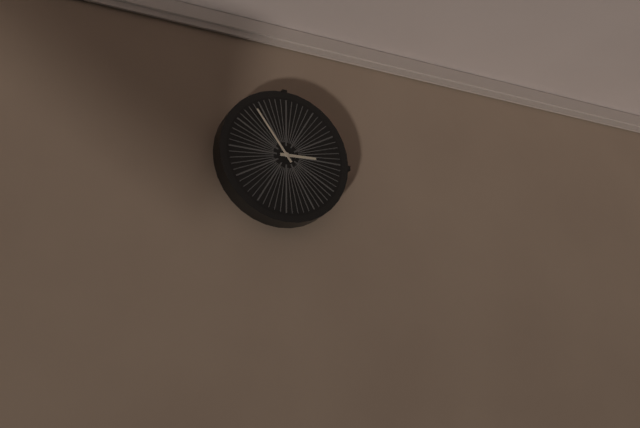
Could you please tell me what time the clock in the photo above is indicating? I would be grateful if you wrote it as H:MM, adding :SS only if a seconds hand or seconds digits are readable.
2:54
